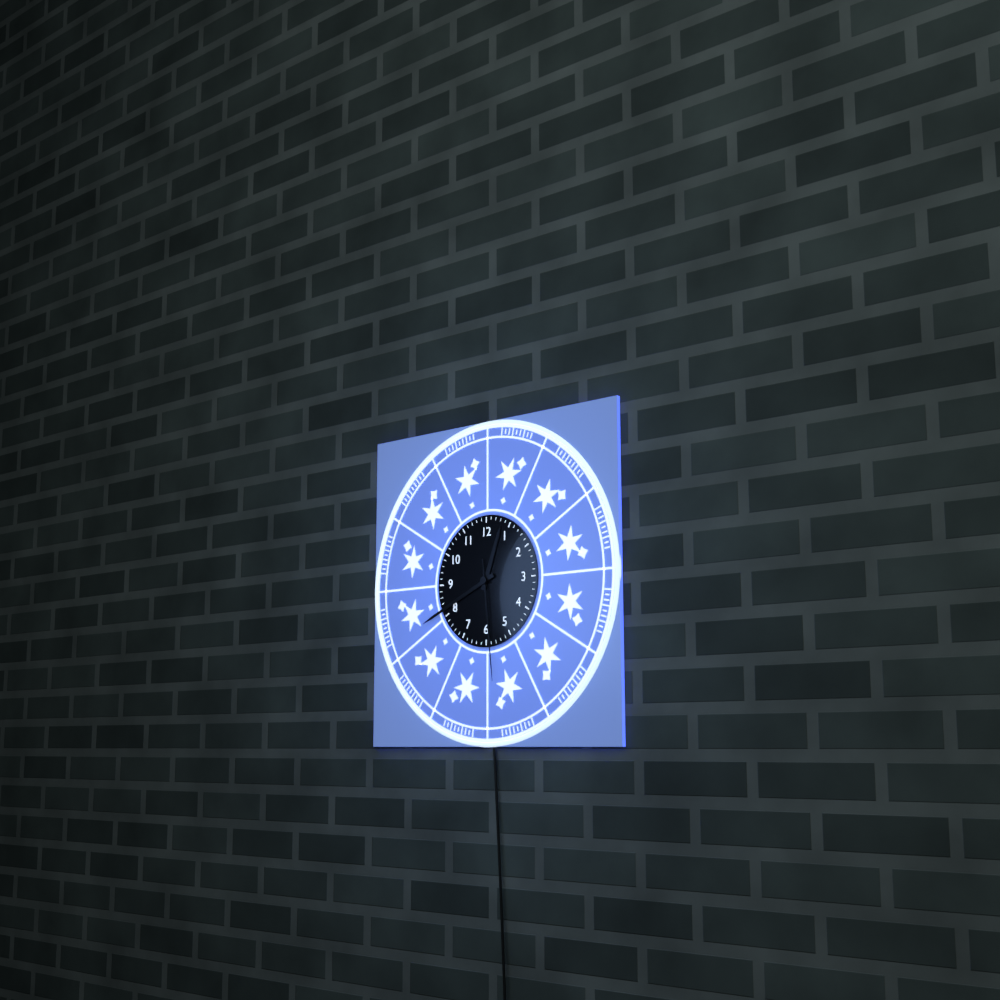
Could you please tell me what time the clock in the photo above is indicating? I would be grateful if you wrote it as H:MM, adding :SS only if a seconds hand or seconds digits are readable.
12:41:29
